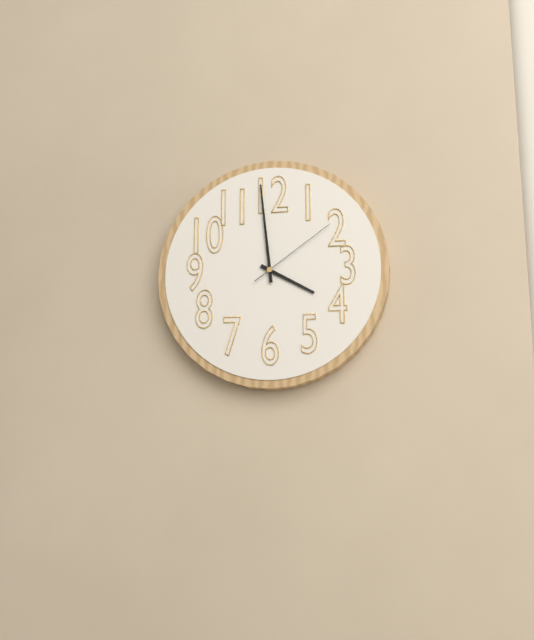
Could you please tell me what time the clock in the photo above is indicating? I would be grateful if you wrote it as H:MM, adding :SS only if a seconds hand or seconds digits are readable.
3:59:09
